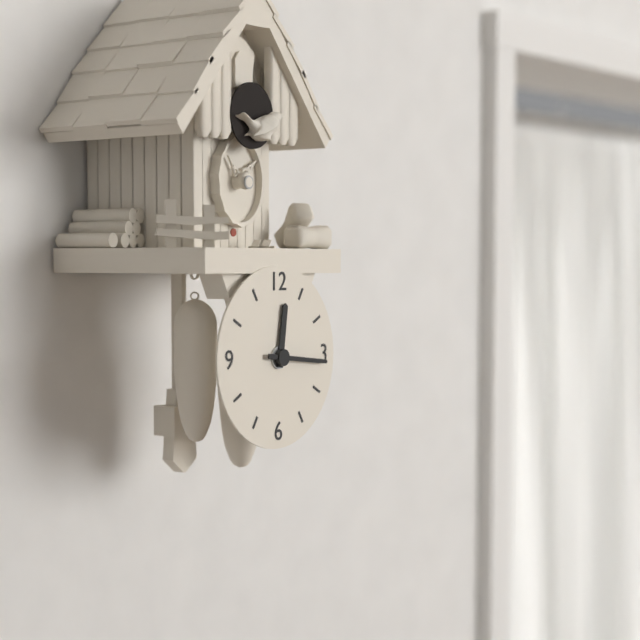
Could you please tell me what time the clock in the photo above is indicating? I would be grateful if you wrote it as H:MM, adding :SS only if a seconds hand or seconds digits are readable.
12:16
